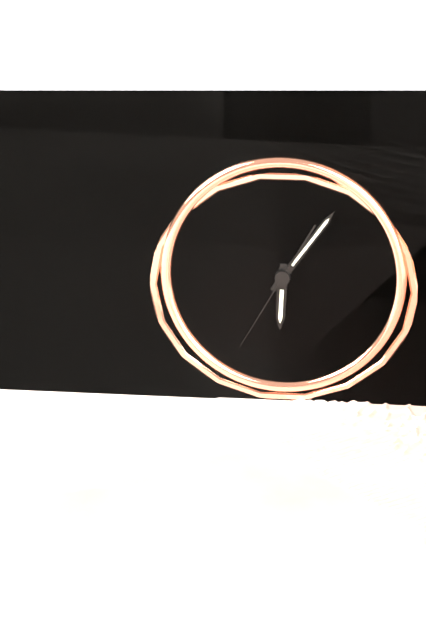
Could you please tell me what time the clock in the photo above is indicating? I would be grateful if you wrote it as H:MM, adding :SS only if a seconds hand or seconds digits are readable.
6:06:35
